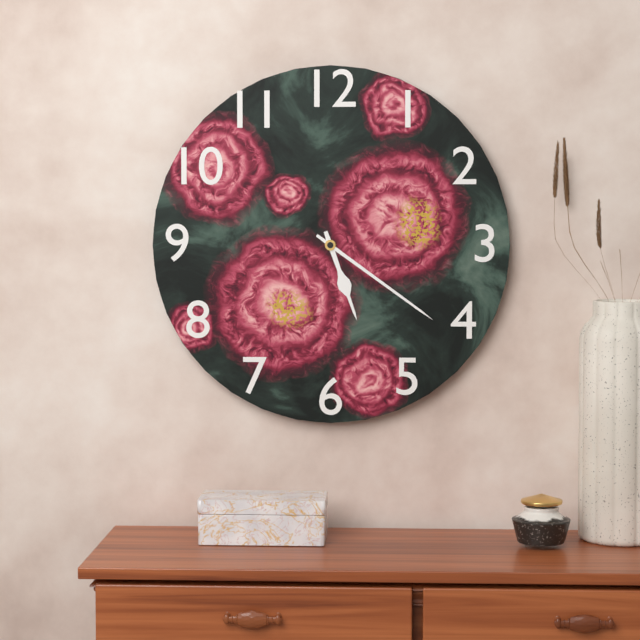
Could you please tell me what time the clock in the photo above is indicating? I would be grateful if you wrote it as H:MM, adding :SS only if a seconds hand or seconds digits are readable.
5:21
